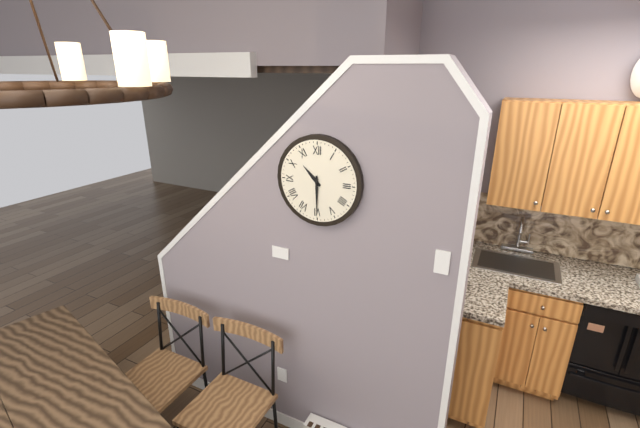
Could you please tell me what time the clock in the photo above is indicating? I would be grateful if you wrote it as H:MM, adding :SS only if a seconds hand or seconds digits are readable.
10:30
